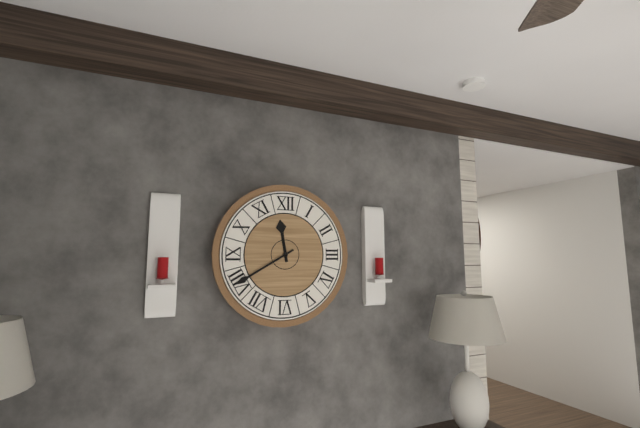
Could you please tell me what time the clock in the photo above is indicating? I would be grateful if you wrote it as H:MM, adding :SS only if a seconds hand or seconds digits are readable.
11:40
